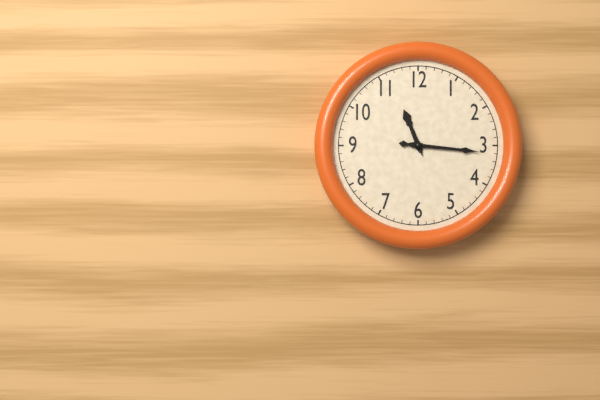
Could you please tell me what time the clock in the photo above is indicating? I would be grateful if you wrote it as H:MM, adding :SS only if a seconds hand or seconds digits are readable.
11:16
